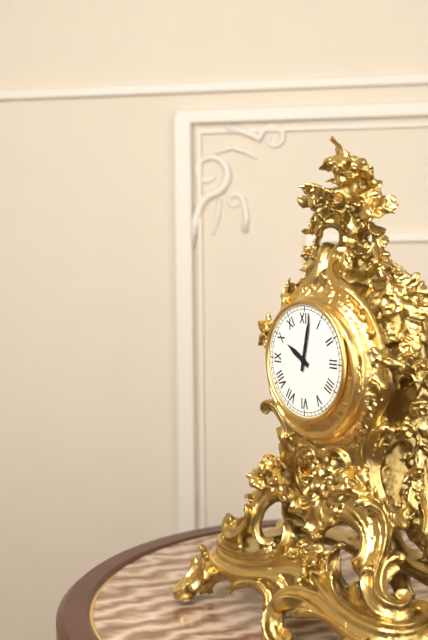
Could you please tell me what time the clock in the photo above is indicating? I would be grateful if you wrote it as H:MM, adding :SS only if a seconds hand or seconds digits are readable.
10:02
